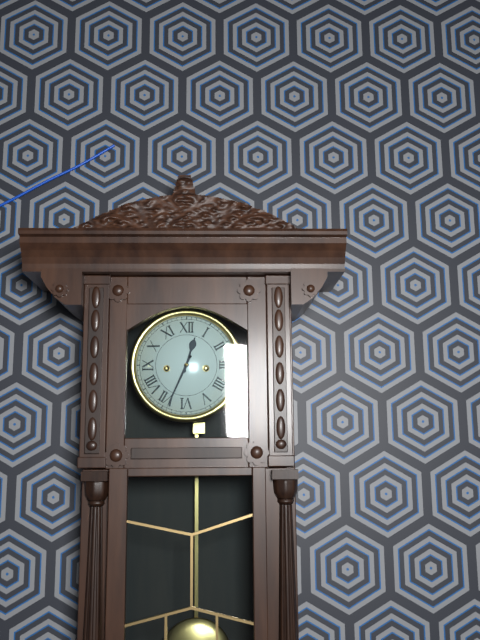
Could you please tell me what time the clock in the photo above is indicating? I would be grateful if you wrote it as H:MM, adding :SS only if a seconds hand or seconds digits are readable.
12:34
